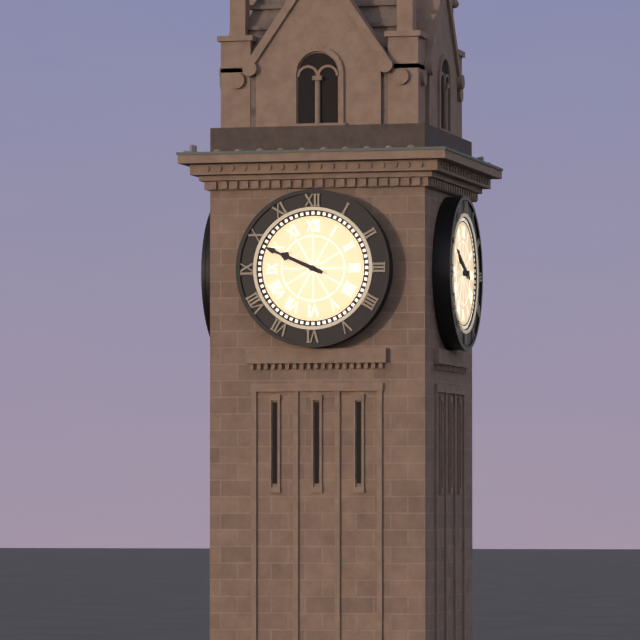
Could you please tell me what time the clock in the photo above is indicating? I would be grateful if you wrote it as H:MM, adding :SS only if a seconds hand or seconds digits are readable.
9:49
